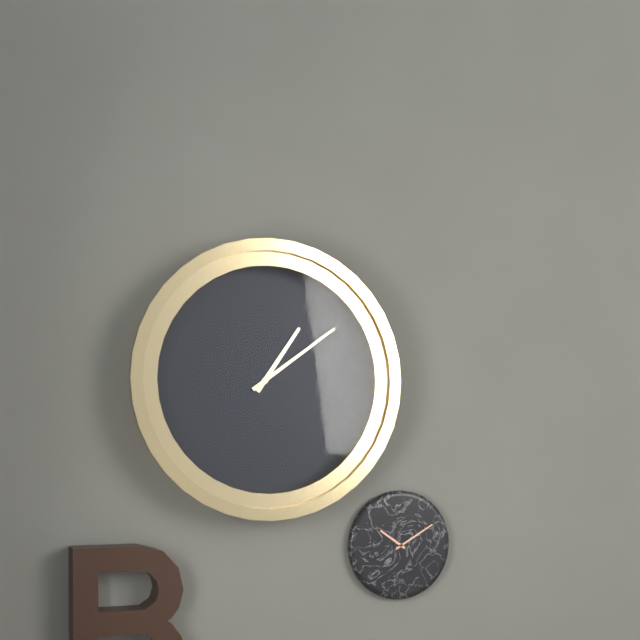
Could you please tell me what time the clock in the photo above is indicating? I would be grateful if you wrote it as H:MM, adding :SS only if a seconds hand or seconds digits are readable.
1:09
